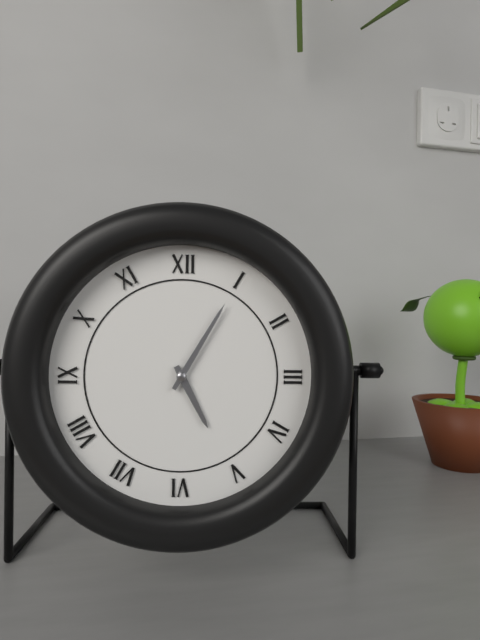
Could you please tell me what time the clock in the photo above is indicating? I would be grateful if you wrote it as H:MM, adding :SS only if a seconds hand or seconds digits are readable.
5:05
